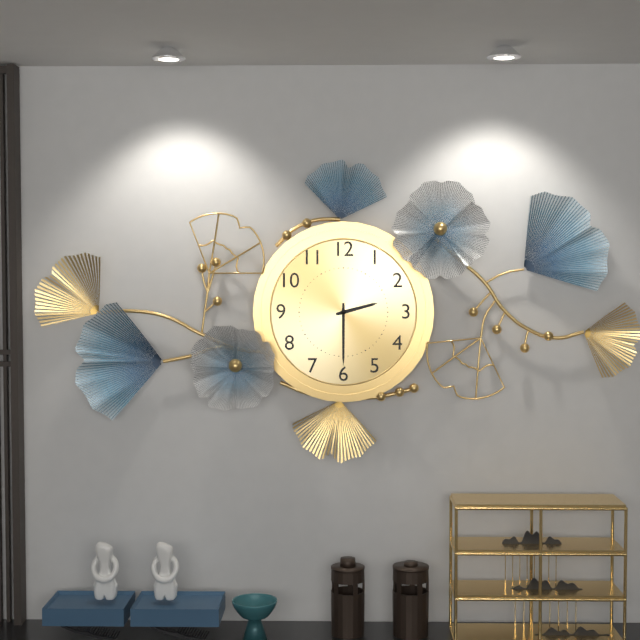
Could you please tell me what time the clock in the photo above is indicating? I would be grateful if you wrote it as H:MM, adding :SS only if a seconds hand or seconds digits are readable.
2:30
